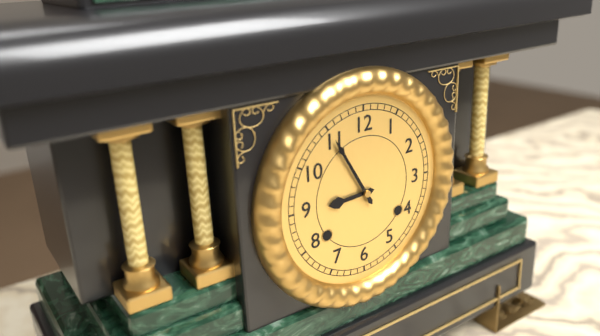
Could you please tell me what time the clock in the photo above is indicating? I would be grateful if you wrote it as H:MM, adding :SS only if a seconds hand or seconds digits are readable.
8:55
